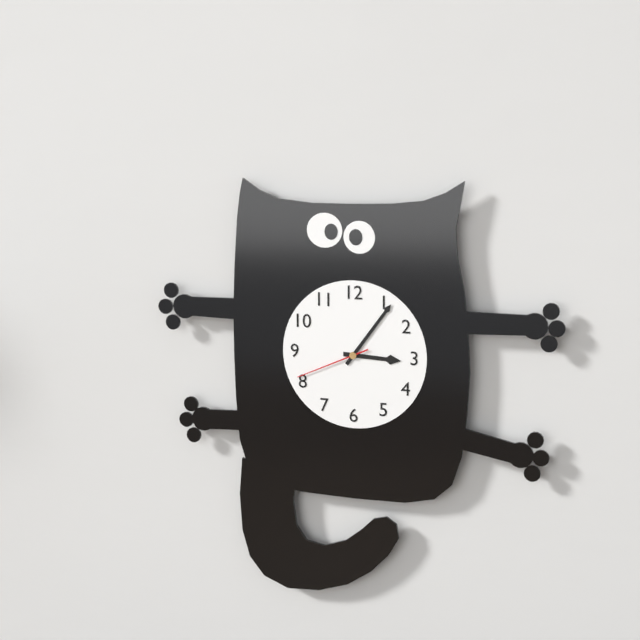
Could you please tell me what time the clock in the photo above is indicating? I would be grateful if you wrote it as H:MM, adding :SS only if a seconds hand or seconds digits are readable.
3:06:41
